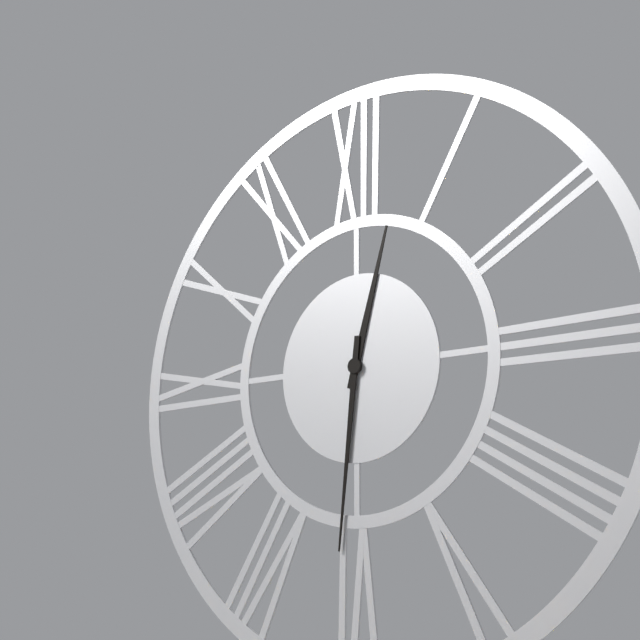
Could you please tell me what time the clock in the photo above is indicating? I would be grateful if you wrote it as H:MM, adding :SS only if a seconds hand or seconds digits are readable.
12:31
